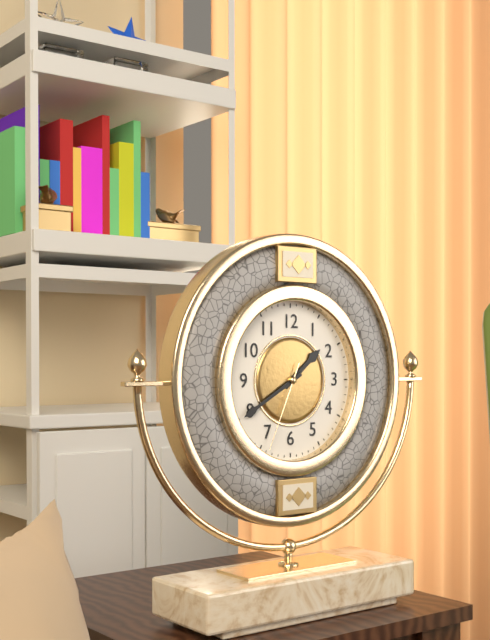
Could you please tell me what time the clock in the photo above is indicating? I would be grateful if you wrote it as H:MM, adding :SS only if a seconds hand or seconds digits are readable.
1:40:34
